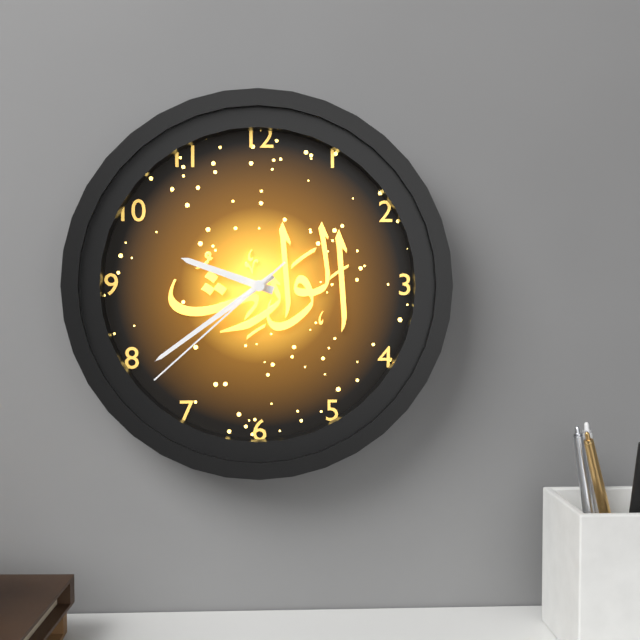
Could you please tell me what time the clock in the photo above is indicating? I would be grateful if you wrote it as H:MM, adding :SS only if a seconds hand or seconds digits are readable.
9:39:38
